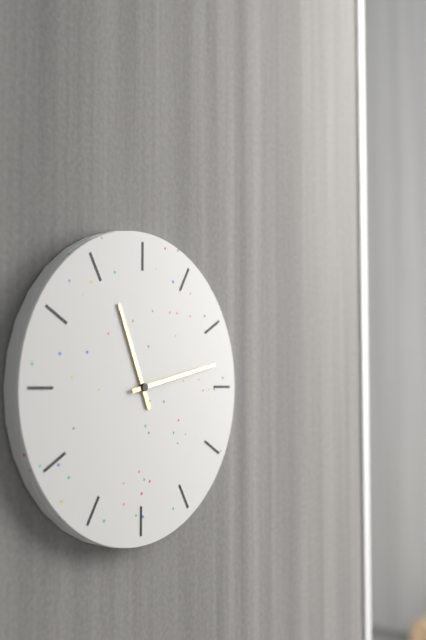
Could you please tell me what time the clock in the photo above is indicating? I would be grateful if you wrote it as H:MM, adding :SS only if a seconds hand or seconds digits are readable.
11:13
